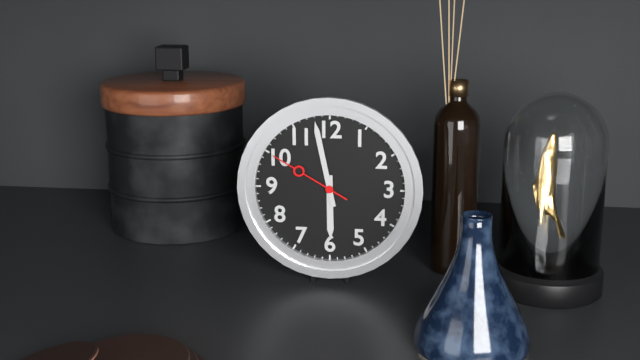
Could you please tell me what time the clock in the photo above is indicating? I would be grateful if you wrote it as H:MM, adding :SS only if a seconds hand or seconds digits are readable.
5:58:50
